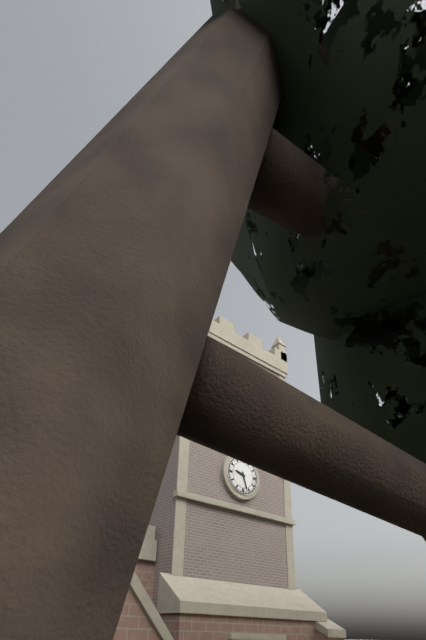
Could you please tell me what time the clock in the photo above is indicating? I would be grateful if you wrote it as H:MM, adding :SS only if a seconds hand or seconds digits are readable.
9:27
